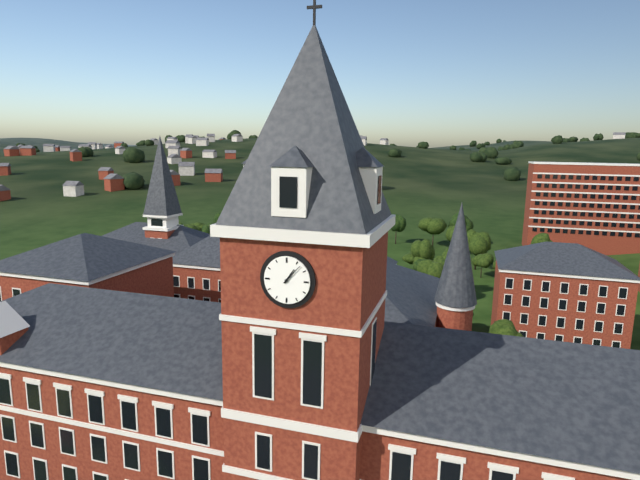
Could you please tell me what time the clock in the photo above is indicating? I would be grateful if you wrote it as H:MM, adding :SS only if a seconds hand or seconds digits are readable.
1:07
